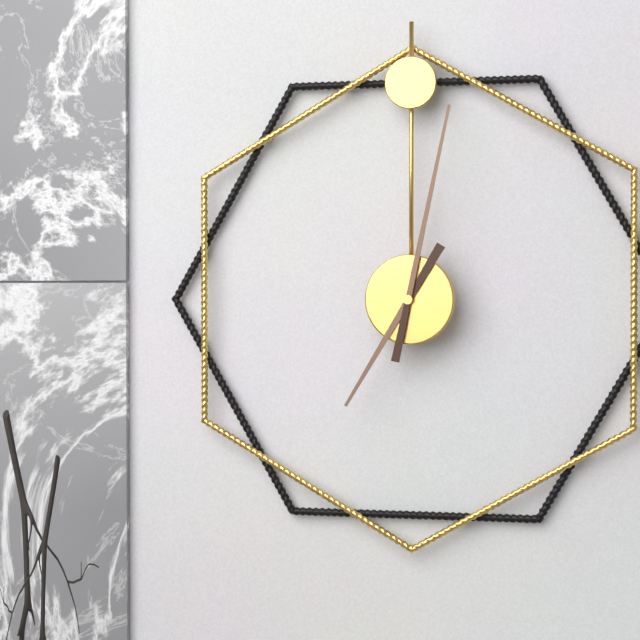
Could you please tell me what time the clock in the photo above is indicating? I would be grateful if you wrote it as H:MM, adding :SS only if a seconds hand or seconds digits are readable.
7:02
